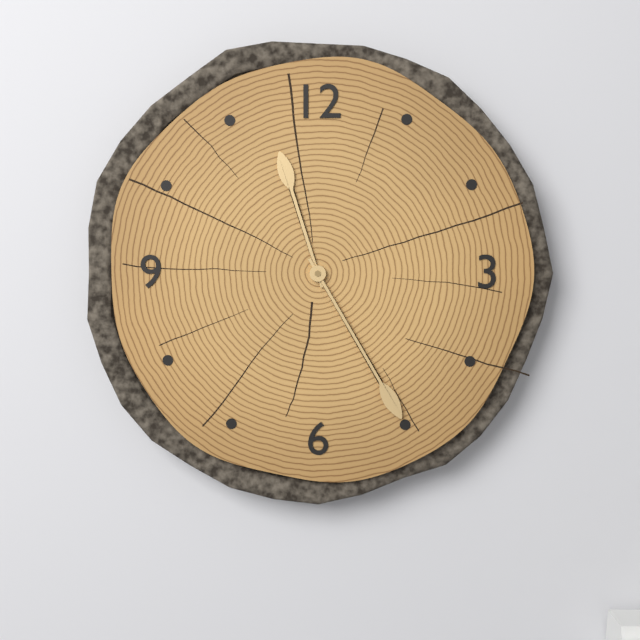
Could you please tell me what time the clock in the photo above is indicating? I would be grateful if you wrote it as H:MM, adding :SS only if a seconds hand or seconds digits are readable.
11:25
